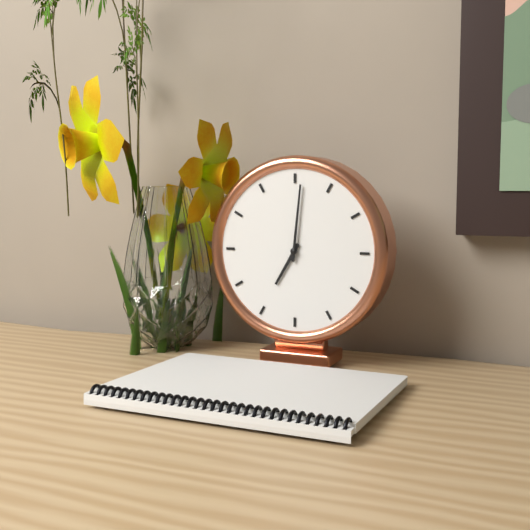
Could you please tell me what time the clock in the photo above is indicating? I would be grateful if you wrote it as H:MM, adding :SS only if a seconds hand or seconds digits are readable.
7:01
